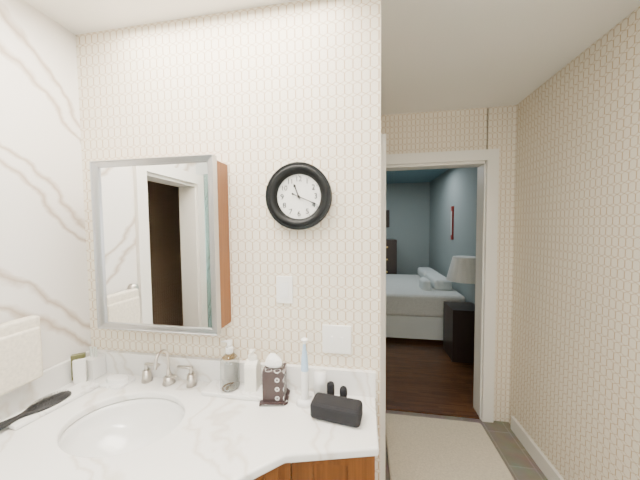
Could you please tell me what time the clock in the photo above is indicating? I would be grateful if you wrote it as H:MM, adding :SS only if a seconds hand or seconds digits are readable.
11:19
